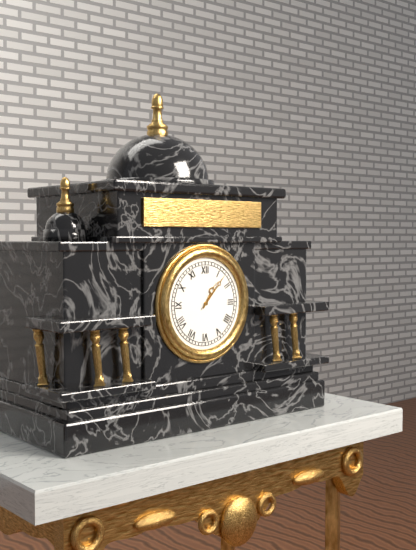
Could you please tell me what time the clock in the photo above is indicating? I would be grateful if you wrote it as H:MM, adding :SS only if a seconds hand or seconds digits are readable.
1:07
